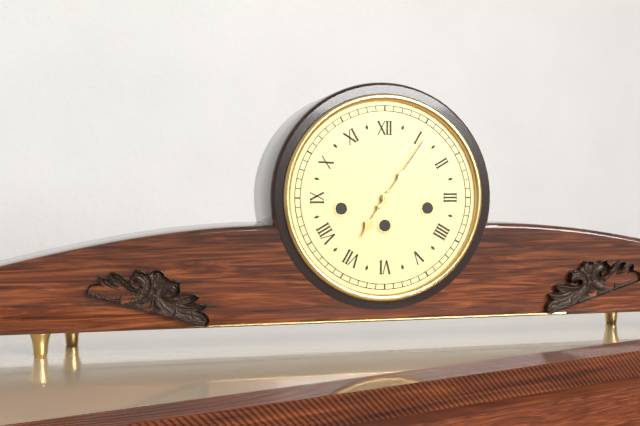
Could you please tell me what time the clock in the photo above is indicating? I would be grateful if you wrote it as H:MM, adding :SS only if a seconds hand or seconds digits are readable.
7:06
